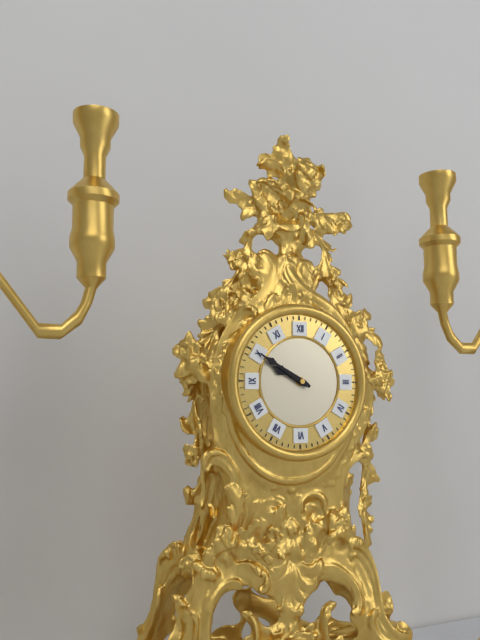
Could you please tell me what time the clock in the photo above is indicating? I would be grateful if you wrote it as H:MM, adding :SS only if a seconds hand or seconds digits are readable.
9:50
